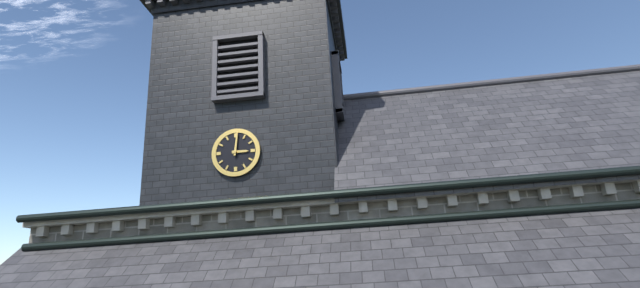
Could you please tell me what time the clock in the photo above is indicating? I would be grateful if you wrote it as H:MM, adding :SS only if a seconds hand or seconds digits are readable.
3:01
